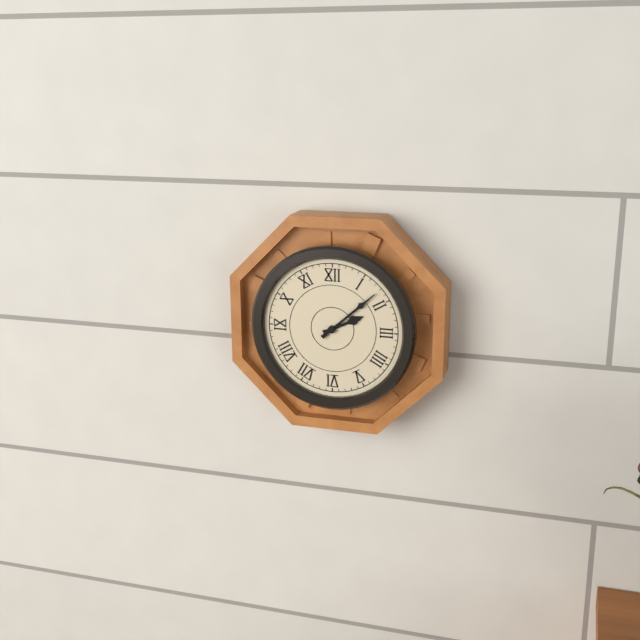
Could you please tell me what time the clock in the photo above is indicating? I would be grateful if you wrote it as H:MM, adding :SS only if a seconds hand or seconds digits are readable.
2:08
